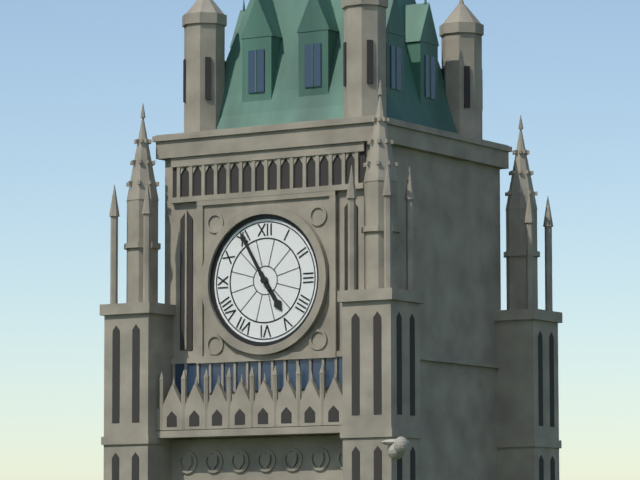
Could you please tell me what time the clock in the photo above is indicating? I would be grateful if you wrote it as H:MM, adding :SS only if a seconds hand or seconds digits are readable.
4:55
